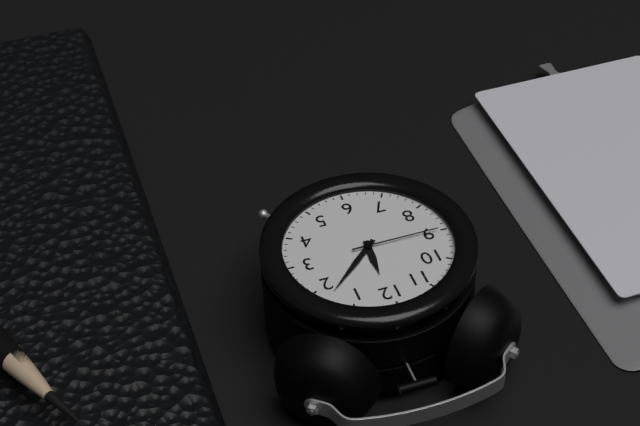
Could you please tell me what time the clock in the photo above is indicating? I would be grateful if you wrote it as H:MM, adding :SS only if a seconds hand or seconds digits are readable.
12:08:45
